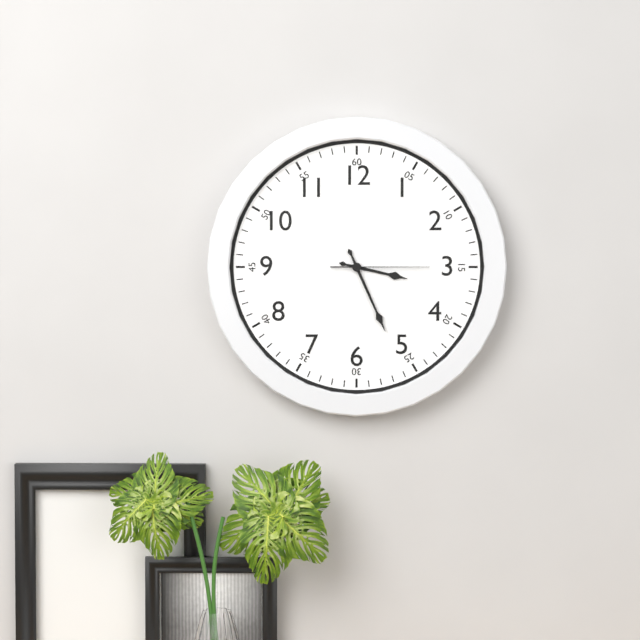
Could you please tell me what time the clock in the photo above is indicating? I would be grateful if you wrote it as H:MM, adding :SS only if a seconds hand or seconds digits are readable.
3:26:15
